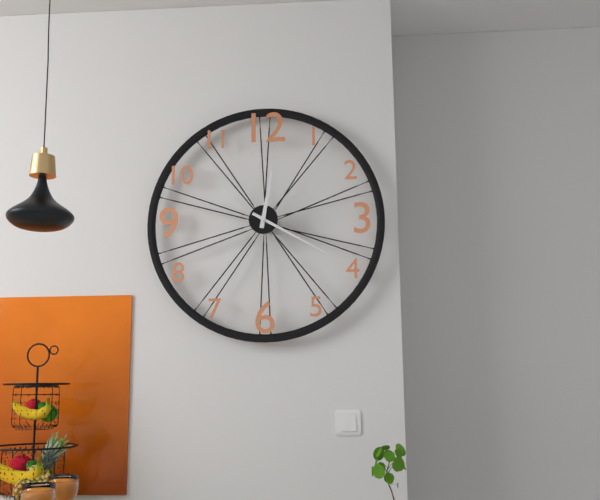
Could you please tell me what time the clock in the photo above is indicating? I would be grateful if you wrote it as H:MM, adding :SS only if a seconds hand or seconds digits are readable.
12:20
